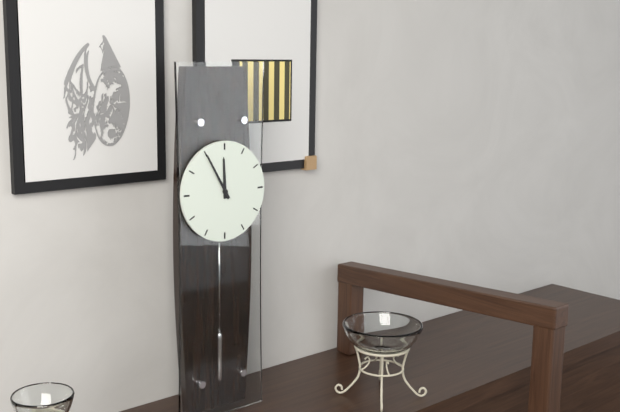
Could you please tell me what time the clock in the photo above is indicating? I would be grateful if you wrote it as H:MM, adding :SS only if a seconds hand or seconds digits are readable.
11:55
